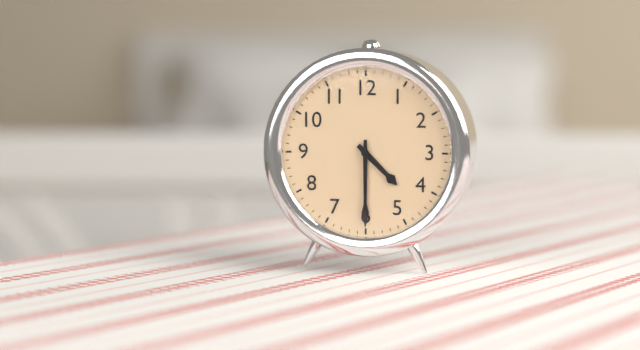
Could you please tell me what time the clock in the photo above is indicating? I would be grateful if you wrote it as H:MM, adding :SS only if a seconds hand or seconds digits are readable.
4:30
